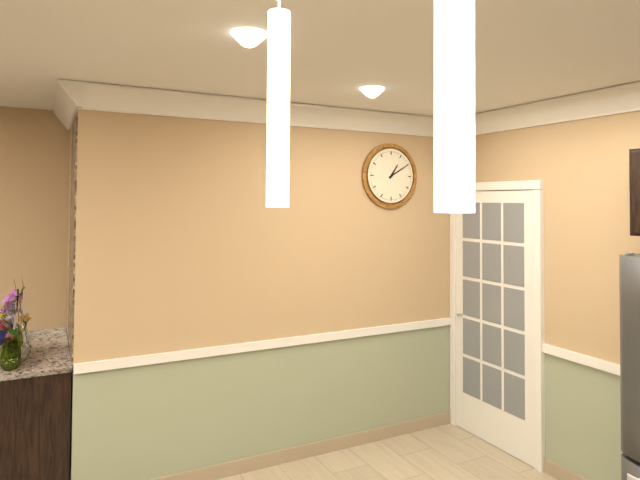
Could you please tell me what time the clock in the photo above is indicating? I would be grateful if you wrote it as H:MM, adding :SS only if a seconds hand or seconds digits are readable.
1:10
